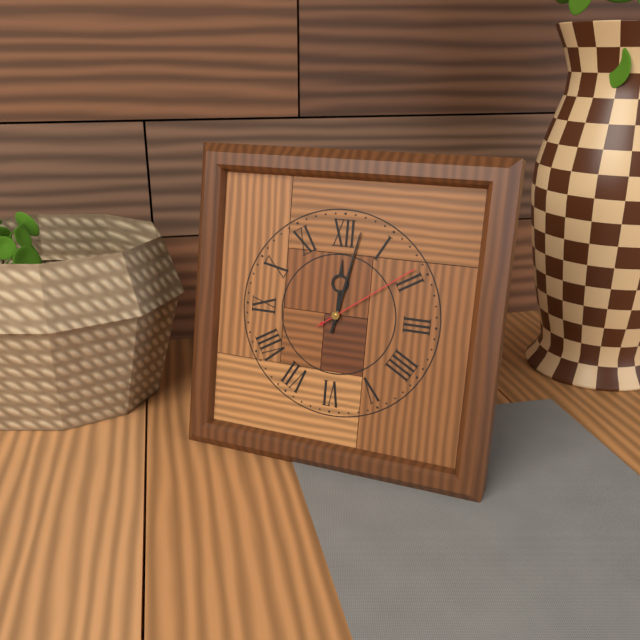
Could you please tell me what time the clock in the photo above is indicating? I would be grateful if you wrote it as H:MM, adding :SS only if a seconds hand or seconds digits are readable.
12:02:09
